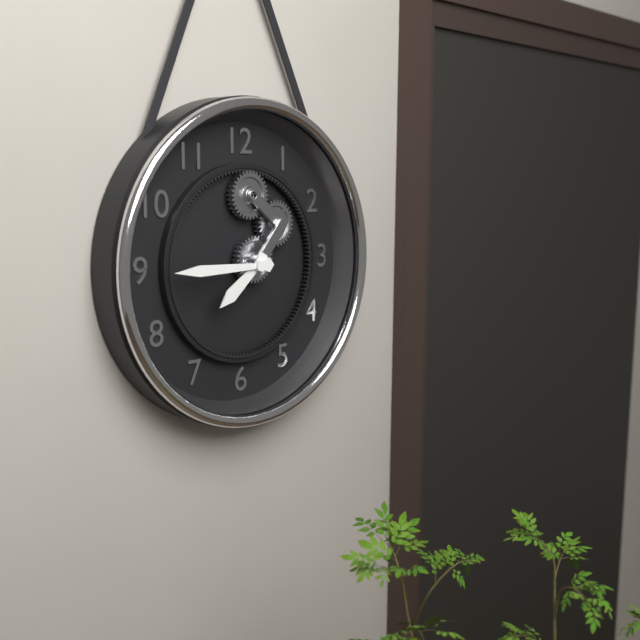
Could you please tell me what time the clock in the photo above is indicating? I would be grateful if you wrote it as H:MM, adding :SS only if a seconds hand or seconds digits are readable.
7:45
